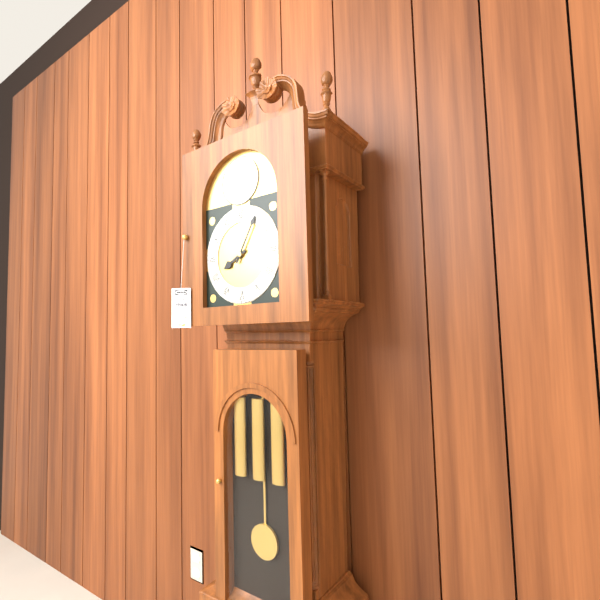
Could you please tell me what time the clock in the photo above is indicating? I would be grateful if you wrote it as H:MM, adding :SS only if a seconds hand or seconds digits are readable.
8:05
